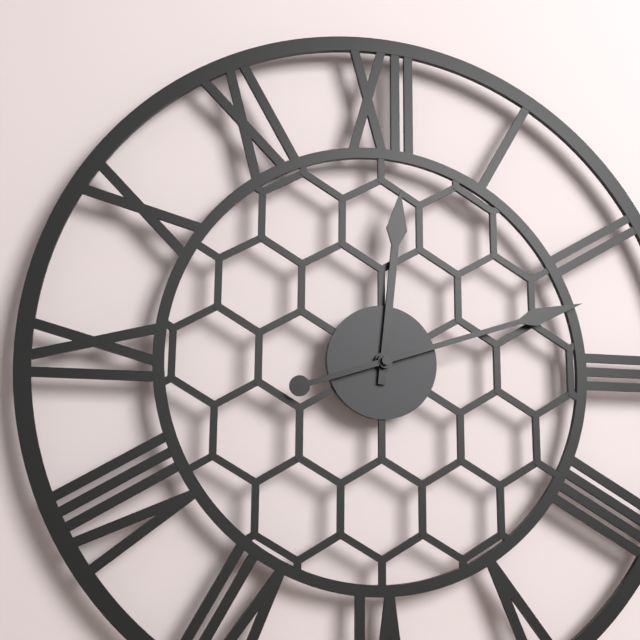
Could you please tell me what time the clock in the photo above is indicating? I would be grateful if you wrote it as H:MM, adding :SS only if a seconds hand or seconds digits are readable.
12:12
